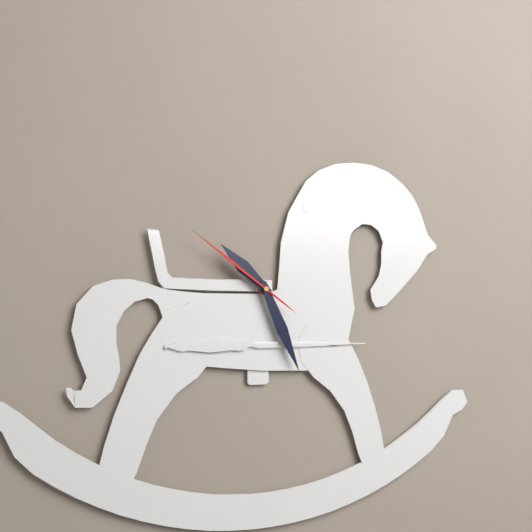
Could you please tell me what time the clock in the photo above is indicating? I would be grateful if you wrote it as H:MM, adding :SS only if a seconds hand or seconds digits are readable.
10:26:51
